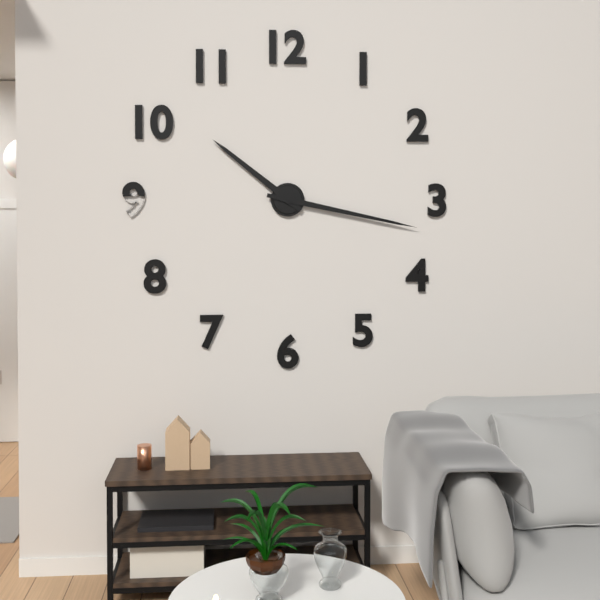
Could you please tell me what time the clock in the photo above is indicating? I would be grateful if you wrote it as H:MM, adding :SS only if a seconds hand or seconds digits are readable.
10:17
